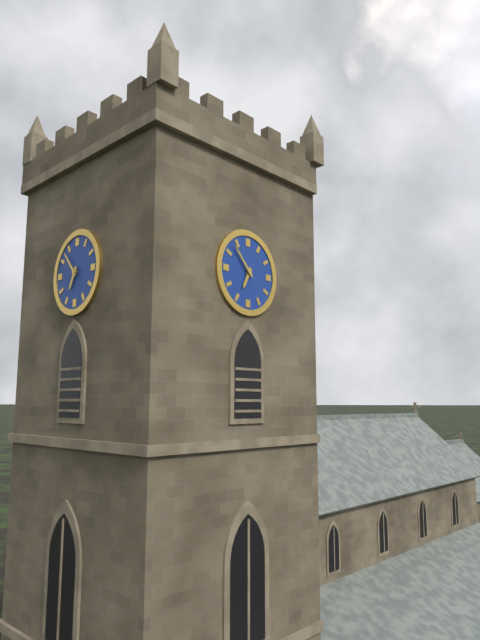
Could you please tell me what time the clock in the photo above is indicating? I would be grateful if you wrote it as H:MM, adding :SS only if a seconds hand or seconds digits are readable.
6:53
